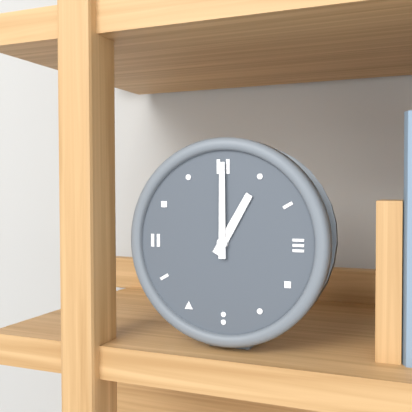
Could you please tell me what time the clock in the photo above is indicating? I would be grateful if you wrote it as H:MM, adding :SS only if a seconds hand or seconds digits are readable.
1:00
